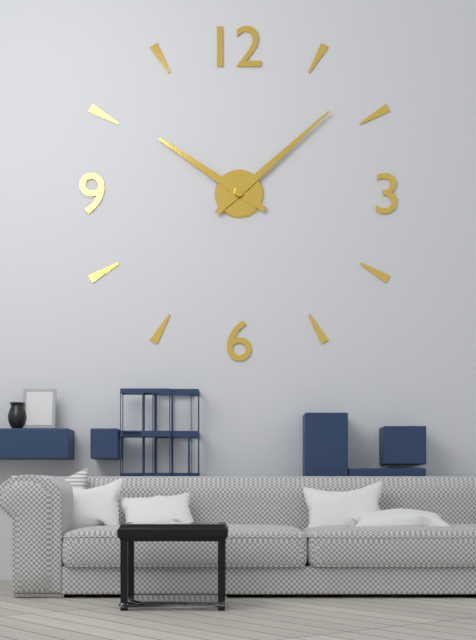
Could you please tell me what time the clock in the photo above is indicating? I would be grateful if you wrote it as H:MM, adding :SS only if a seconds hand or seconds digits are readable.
10:08
